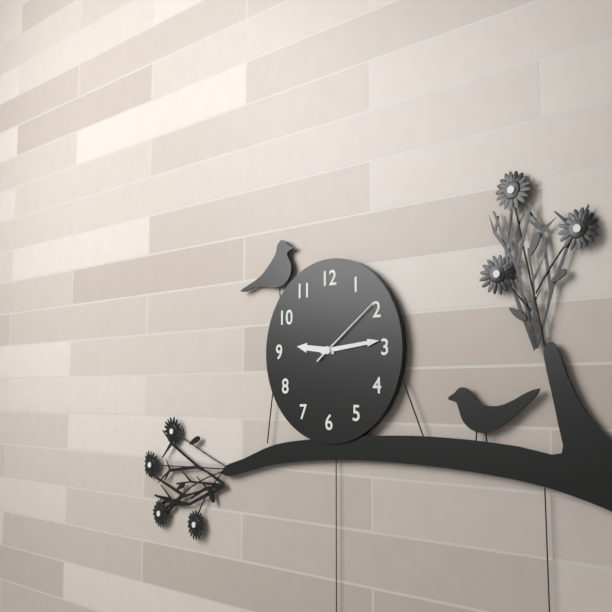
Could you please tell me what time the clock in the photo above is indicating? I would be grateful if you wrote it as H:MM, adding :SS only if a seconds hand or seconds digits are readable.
9:14:09
